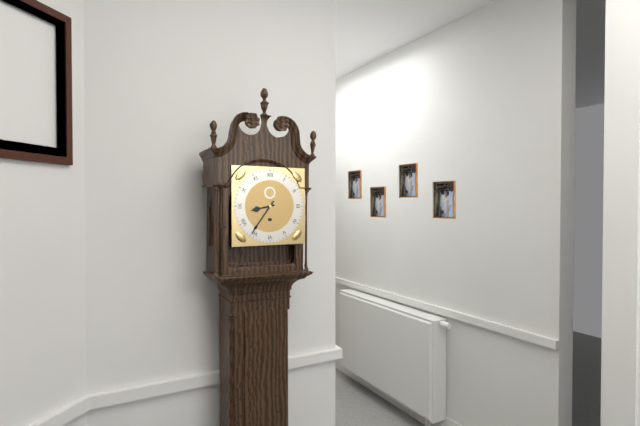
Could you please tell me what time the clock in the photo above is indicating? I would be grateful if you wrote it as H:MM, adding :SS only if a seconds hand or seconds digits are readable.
8:36
